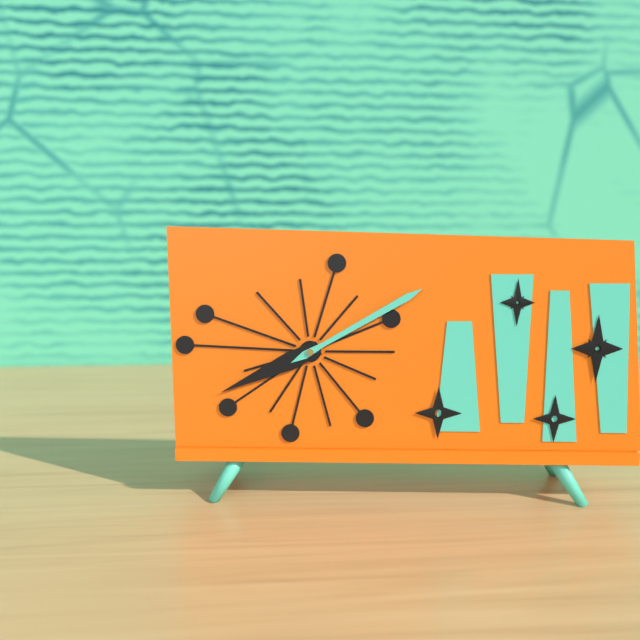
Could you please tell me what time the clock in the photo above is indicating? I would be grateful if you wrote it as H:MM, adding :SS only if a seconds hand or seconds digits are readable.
8:10
